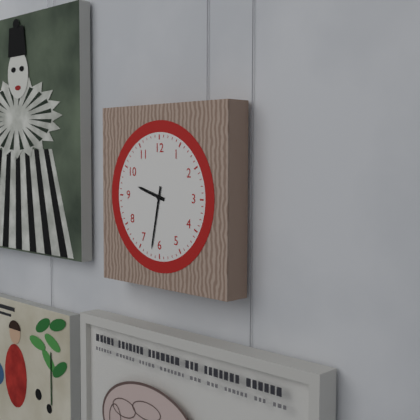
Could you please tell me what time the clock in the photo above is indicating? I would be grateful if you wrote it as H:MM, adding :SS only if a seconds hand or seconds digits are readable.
9:32
